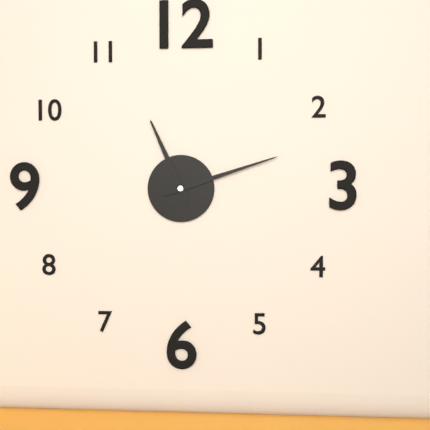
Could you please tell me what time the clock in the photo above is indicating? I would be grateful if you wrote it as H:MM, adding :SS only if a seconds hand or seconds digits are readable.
11:12
